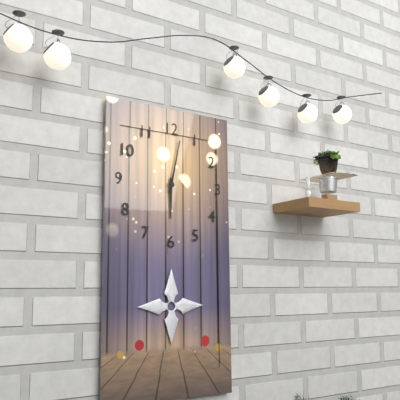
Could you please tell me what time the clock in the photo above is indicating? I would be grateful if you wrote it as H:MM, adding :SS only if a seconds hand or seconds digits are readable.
6:02
